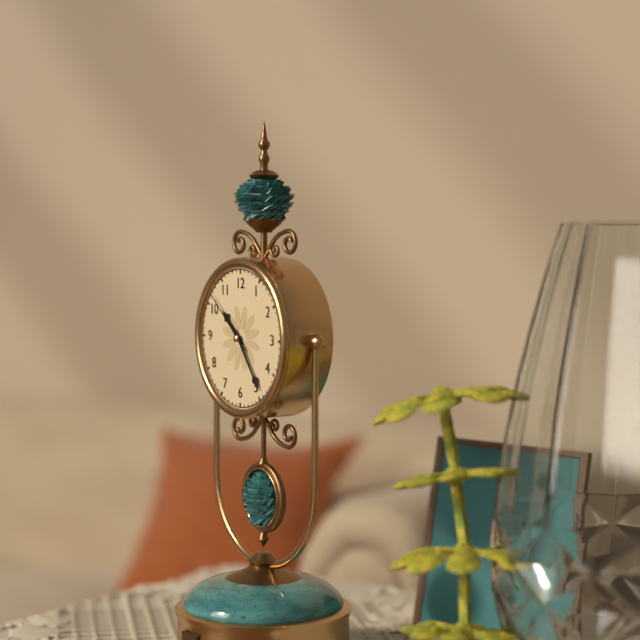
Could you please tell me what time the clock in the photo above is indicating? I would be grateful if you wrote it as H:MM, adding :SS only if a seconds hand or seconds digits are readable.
10:24:52
